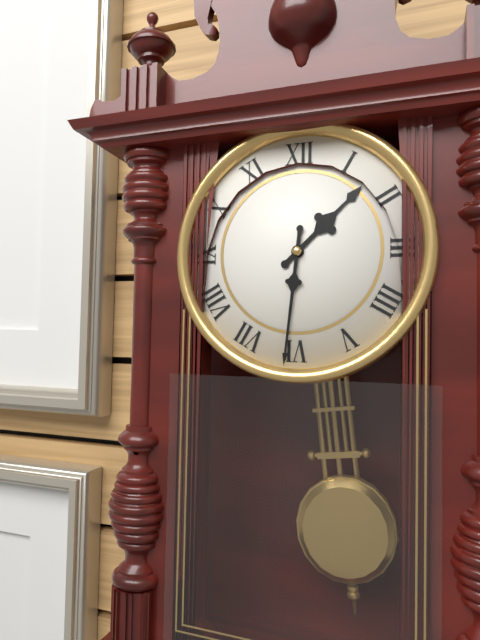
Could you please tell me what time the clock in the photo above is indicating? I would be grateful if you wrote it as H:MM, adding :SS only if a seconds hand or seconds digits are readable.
1:31
